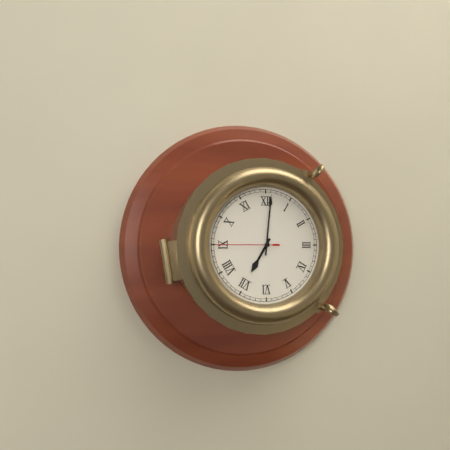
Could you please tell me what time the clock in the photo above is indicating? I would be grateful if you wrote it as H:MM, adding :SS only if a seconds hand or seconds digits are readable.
7:01:45
